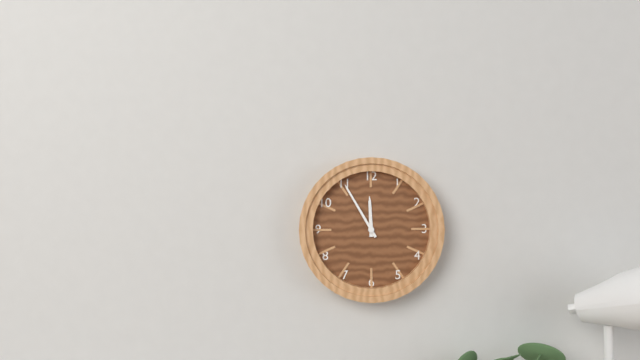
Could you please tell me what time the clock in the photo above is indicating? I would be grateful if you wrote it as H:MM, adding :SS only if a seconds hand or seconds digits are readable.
11:55
